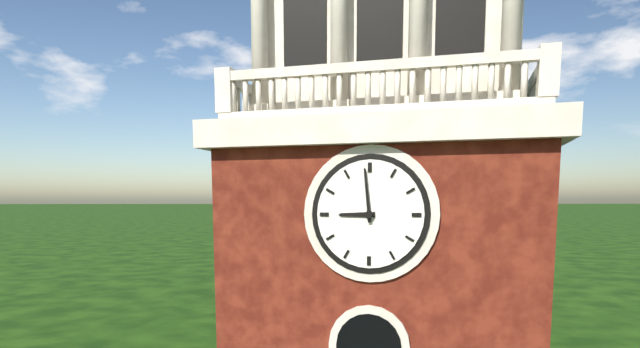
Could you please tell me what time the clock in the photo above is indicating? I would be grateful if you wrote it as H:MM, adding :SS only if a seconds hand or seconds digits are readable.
8:59
